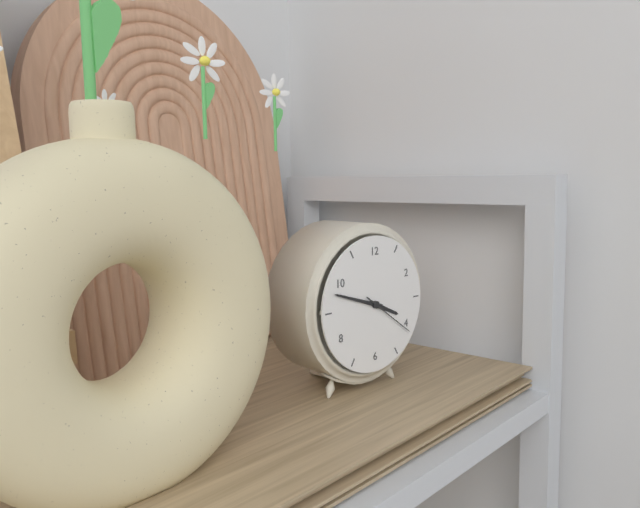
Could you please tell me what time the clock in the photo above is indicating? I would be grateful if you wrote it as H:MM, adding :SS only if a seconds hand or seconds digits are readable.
3:48:21
